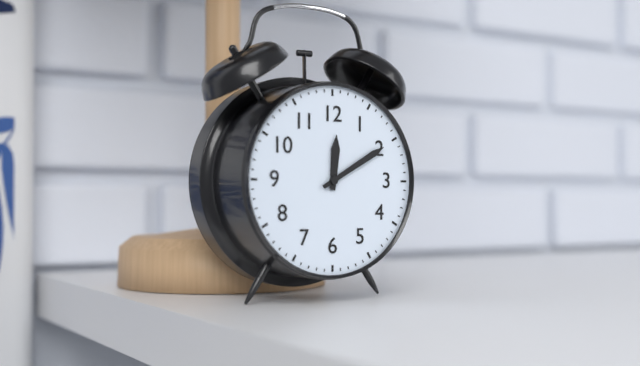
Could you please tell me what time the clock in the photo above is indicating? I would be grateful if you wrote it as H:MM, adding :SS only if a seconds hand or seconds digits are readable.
12:10
